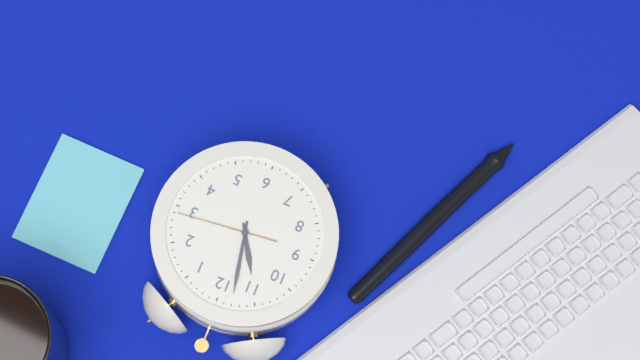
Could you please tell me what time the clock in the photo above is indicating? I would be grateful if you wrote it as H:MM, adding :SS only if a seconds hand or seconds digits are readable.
10:58:14
